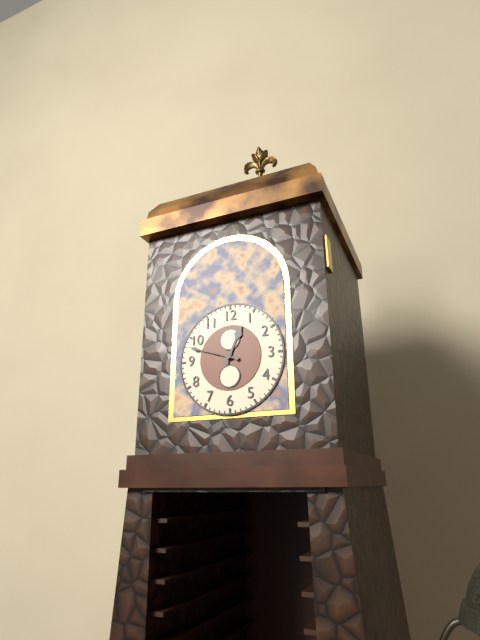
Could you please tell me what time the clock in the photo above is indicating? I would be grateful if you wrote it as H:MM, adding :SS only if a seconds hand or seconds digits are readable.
12:48
